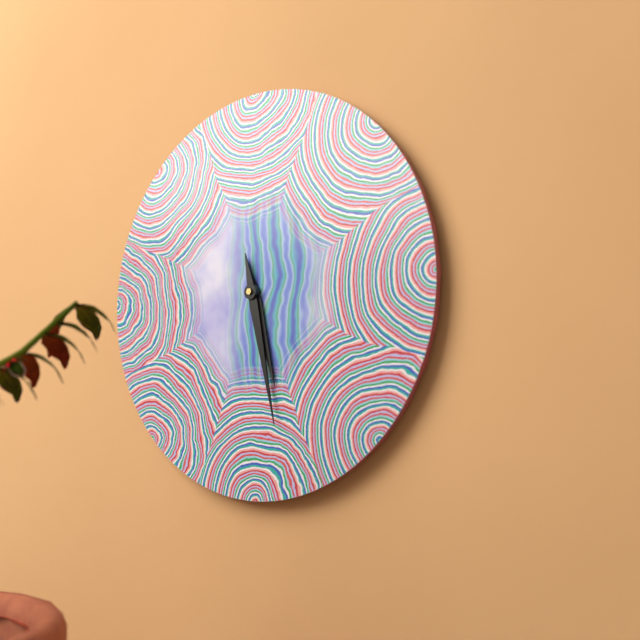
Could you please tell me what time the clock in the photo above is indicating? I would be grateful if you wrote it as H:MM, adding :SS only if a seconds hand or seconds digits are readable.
5:28
